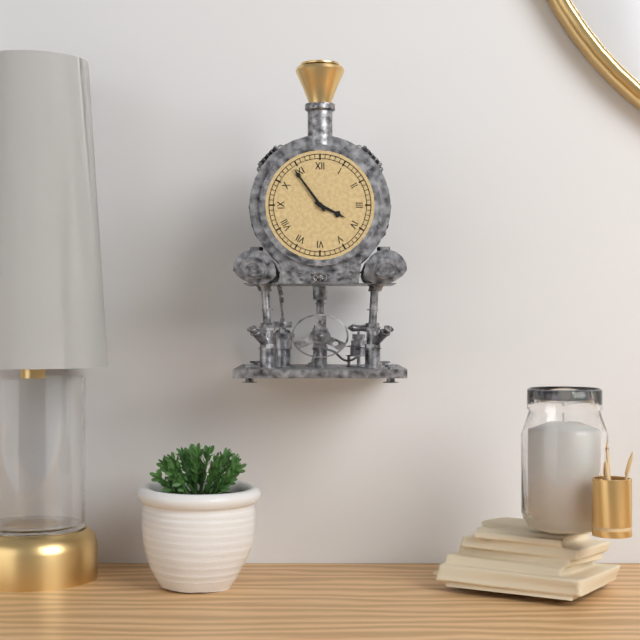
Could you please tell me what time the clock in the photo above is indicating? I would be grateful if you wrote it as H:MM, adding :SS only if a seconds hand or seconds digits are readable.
3:54
